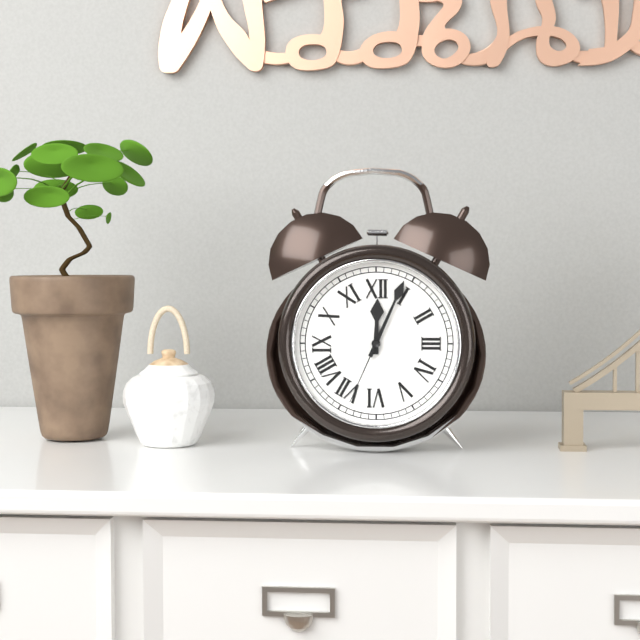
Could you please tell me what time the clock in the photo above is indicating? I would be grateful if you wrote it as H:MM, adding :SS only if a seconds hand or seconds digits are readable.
12:04:34
